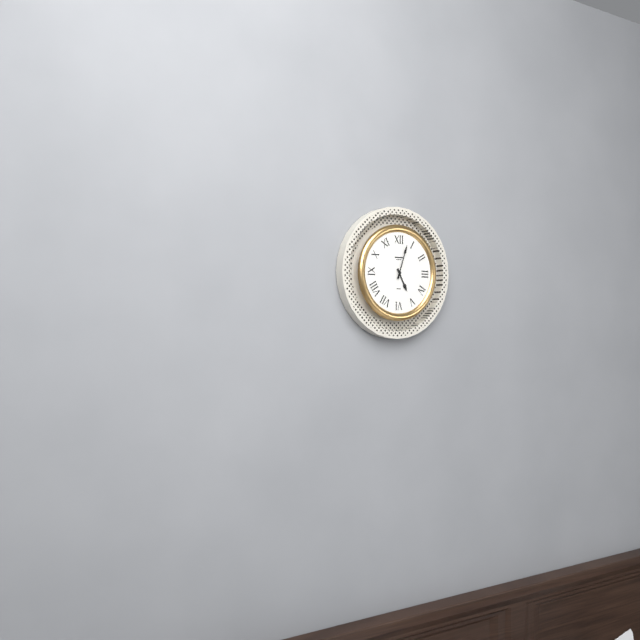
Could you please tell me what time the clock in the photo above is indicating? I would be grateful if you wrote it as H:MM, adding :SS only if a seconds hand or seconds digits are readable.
5:03
